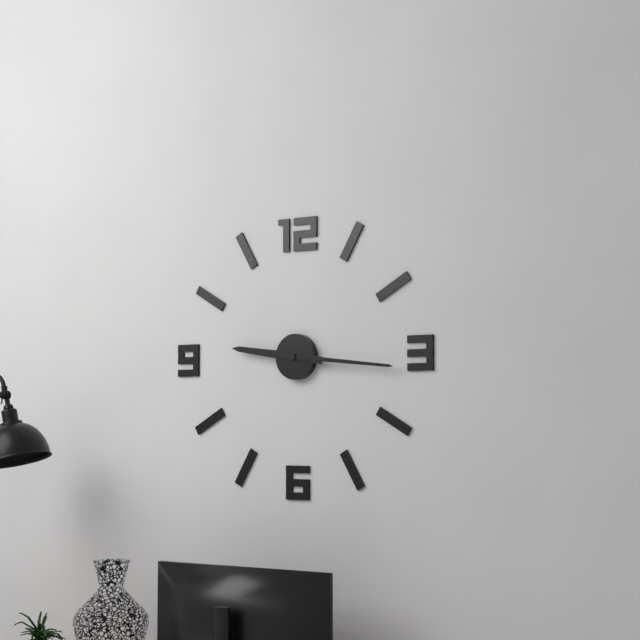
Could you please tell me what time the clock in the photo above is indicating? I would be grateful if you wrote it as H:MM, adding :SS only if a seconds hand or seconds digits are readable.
9:16
